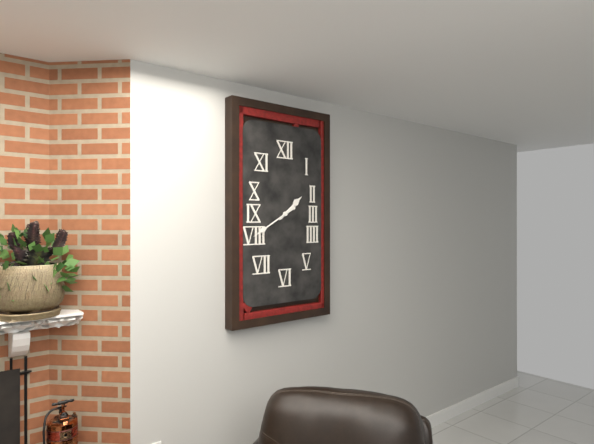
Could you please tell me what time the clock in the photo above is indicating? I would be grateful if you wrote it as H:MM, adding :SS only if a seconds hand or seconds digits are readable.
1:40
